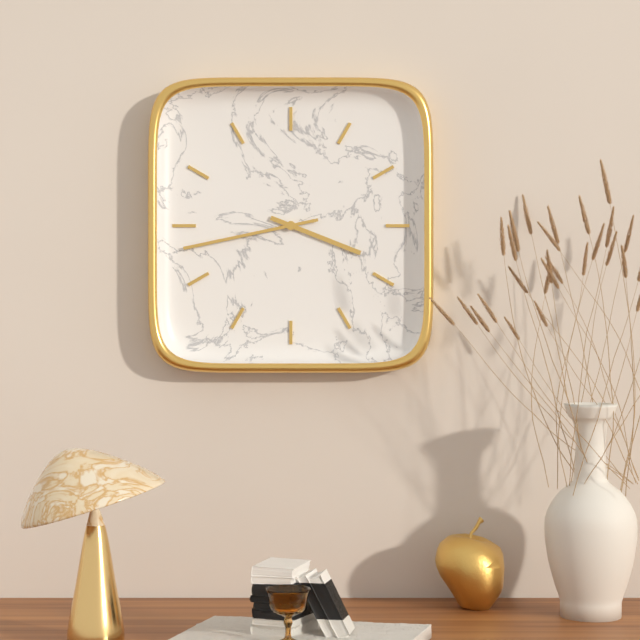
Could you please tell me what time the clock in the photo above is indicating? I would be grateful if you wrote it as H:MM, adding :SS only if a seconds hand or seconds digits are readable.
3:43
